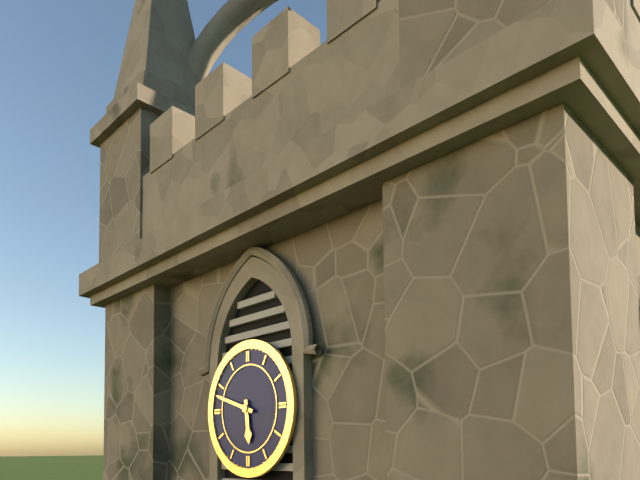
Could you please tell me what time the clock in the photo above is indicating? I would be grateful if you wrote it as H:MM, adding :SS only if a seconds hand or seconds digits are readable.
5:48
